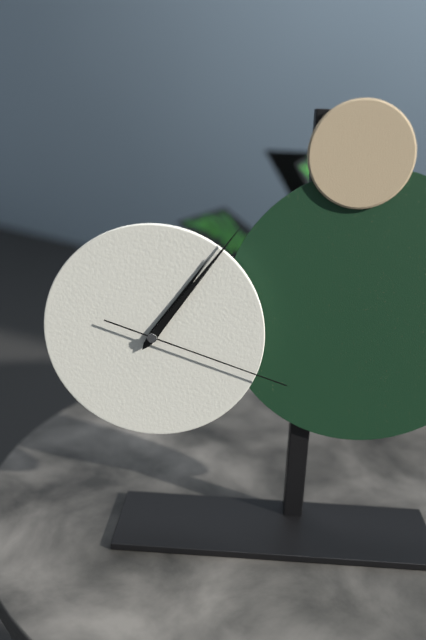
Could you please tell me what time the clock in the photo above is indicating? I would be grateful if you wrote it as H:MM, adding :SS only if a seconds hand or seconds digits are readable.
1:06:18
